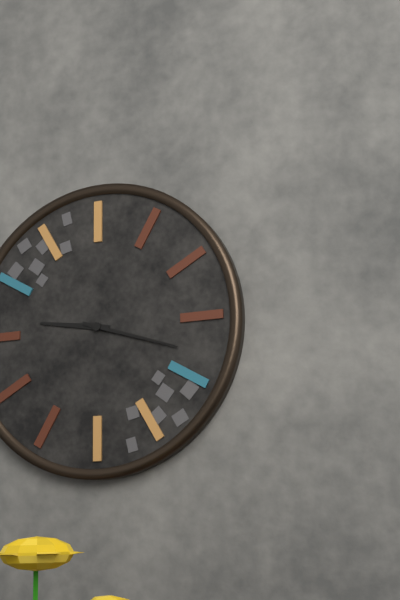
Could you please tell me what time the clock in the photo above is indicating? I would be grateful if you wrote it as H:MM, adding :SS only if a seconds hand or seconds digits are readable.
9:18
